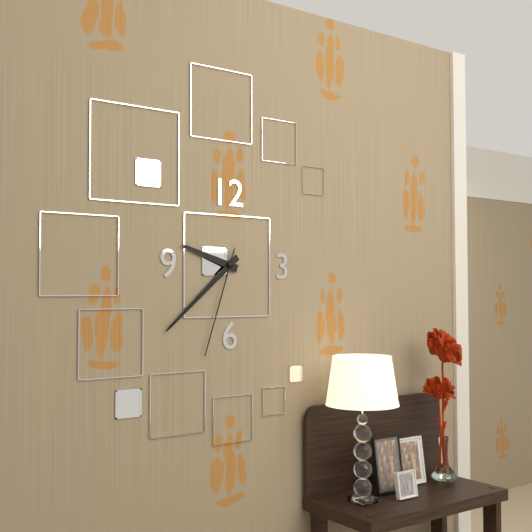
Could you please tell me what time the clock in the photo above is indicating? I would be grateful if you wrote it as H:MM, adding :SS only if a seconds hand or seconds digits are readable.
9:38:33
